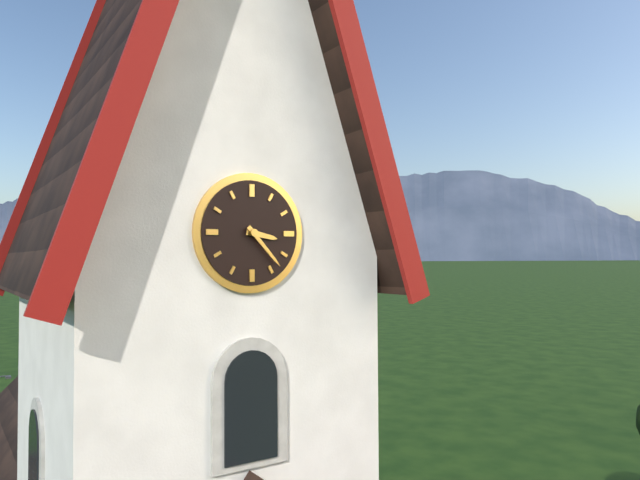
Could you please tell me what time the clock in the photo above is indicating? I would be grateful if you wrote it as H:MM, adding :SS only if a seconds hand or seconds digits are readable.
3:23
